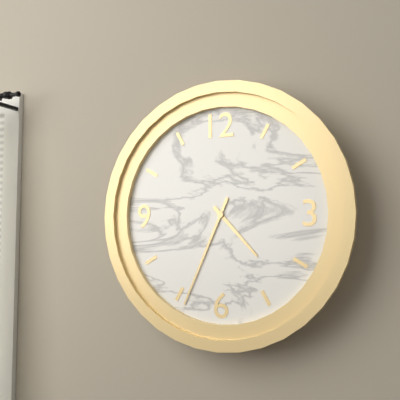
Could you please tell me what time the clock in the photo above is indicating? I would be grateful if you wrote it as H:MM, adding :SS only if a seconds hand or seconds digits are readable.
4:34
